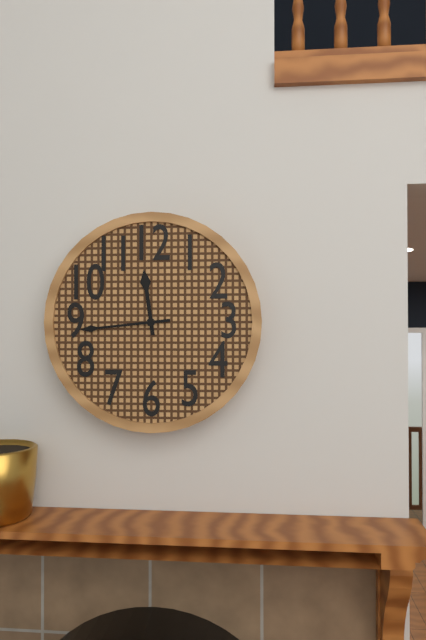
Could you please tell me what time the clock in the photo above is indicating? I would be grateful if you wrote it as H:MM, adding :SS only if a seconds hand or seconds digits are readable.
11:44
